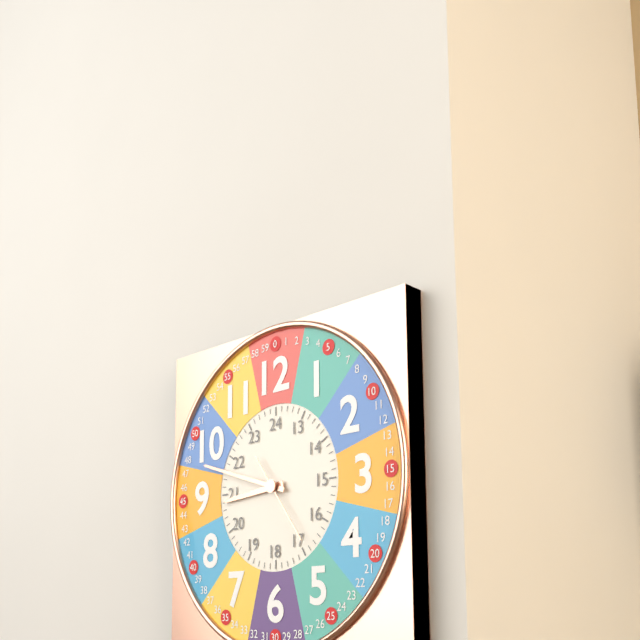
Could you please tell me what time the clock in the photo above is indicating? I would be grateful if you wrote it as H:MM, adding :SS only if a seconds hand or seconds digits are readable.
8:48:24
